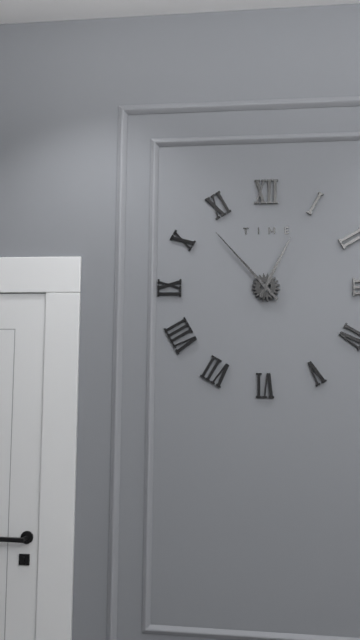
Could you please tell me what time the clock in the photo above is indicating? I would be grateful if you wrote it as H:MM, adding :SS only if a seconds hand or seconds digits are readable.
12:53
